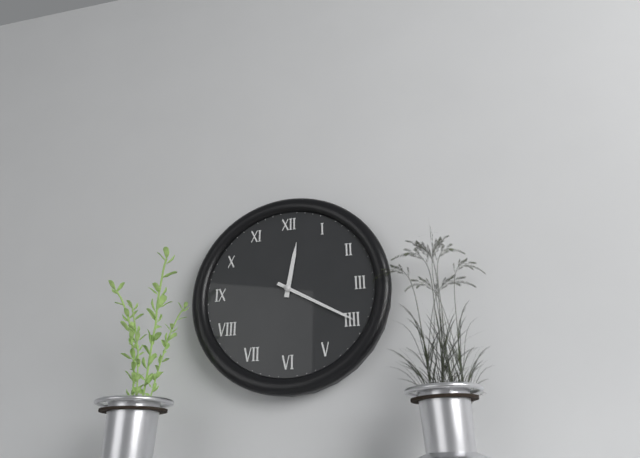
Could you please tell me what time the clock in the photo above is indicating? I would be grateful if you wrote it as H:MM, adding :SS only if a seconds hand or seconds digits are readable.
12:20
